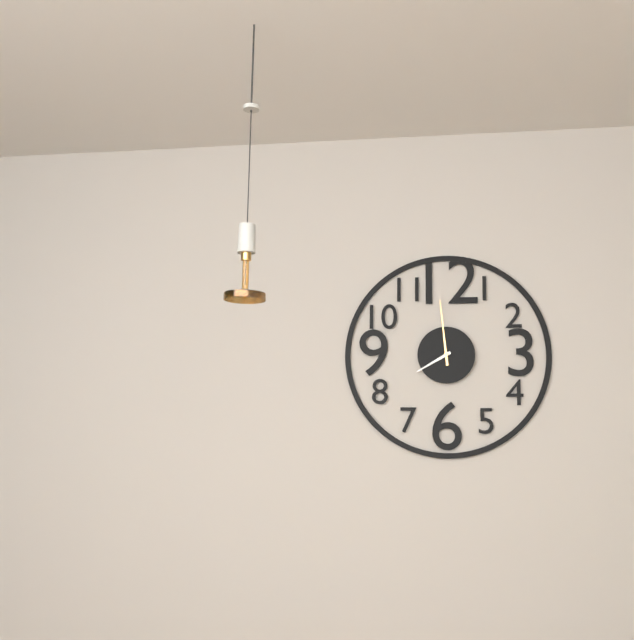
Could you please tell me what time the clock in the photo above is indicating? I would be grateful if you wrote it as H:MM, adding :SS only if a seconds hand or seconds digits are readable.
7:59
